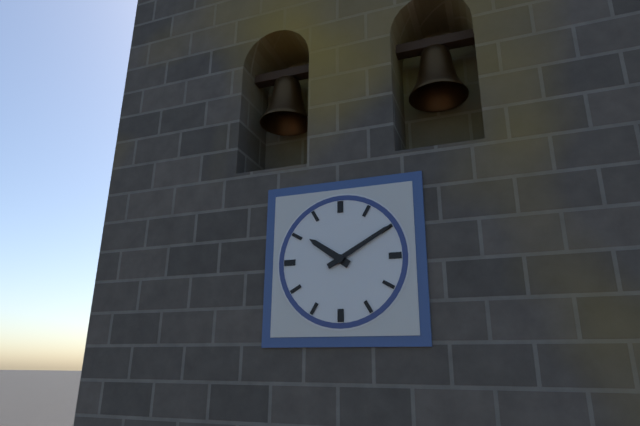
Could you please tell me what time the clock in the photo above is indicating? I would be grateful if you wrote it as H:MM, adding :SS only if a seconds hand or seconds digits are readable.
10:10
